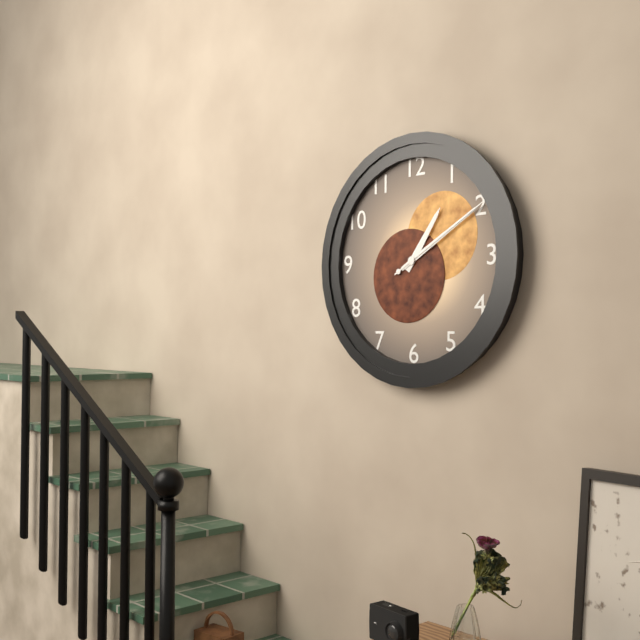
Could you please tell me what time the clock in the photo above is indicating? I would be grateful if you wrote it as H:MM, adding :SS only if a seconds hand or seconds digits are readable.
1:10:10
